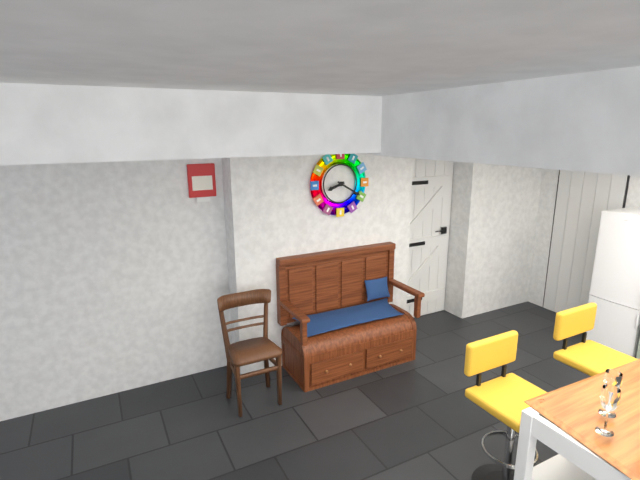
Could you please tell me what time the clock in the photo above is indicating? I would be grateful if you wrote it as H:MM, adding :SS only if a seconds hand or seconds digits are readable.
8:20
